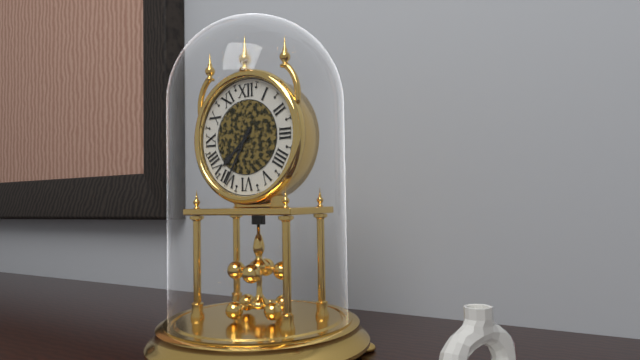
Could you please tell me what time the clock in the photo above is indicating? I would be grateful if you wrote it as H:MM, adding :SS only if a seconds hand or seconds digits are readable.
7:35
